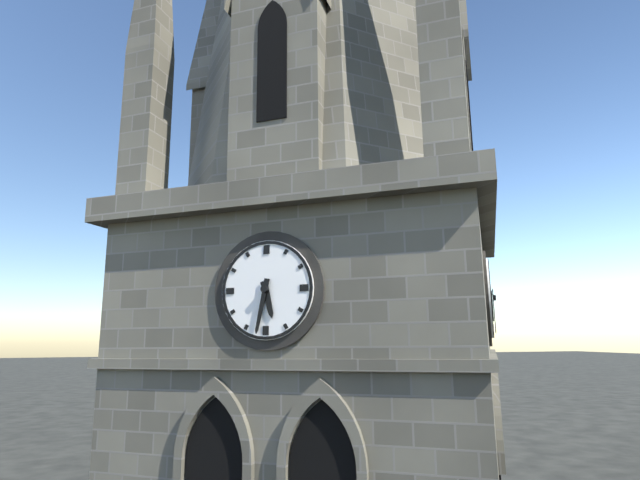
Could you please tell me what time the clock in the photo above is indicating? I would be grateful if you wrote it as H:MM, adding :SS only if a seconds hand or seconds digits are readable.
5:32
